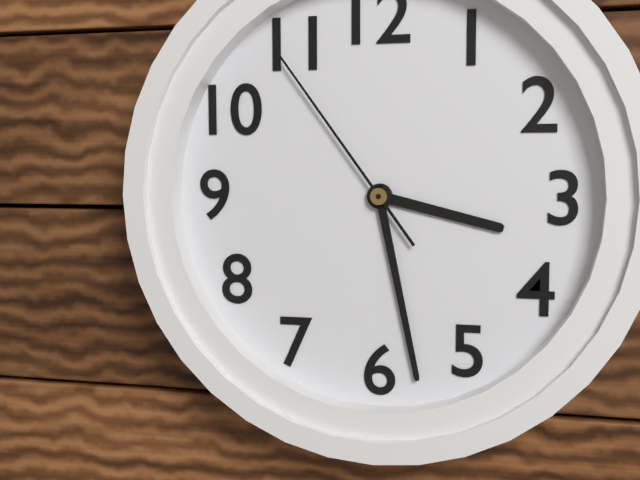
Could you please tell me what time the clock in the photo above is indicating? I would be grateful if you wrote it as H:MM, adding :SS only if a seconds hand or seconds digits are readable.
3:28:54
